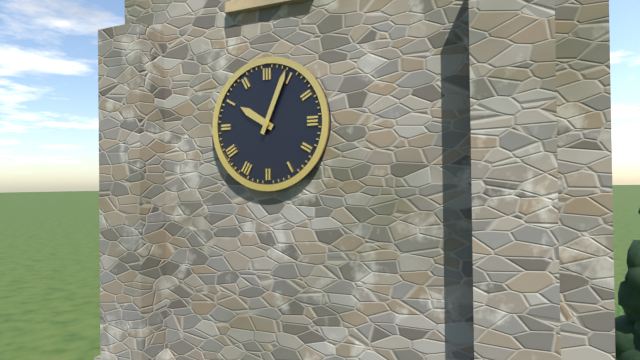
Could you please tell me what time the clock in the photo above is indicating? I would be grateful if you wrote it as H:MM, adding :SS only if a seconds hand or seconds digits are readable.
10:04
